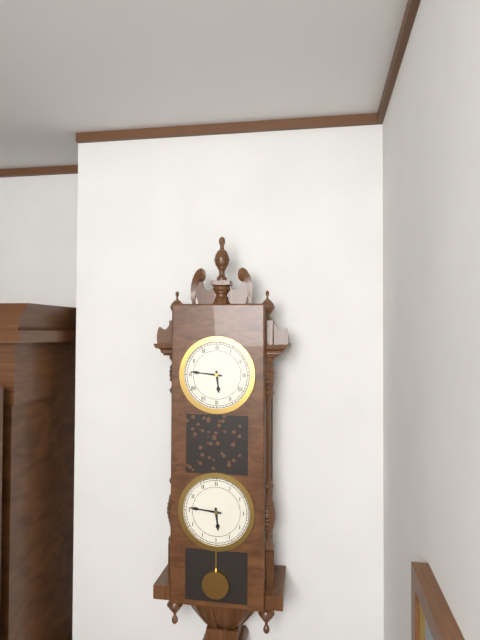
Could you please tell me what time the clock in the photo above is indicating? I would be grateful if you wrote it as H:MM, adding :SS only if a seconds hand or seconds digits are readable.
5:46
